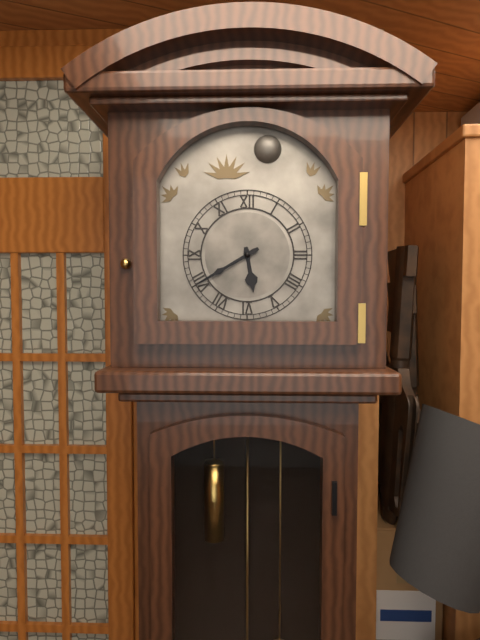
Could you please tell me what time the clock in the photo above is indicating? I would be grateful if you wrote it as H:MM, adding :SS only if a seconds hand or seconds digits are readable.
5:40
